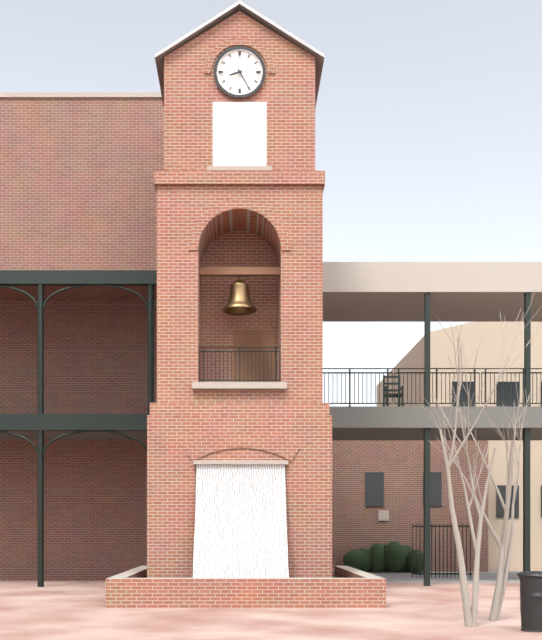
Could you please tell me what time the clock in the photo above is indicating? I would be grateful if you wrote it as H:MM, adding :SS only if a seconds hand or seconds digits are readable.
8:25
